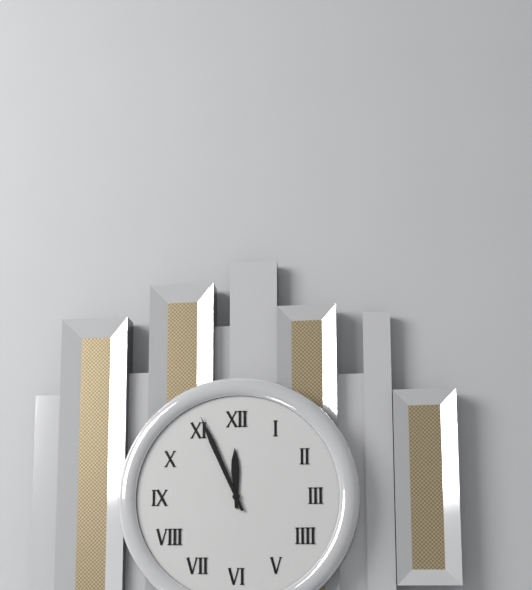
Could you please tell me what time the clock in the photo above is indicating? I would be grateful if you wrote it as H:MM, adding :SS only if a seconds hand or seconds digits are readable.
11:56
